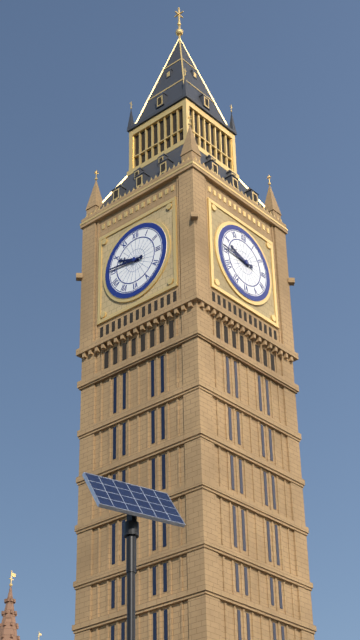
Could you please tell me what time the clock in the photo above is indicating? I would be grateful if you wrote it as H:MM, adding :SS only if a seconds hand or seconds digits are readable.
9:46
